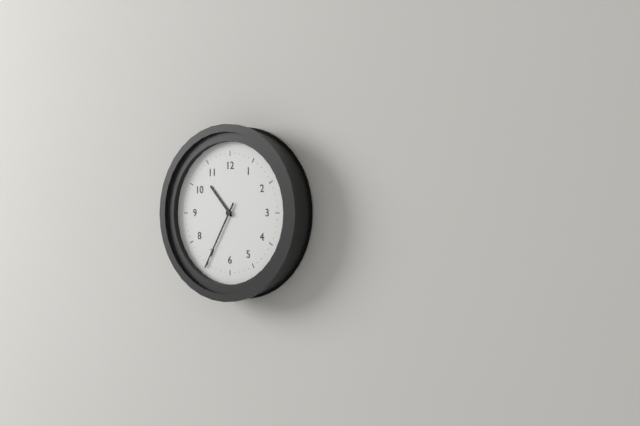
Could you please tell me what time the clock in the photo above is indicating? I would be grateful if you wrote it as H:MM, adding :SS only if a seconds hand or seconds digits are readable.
10:35
